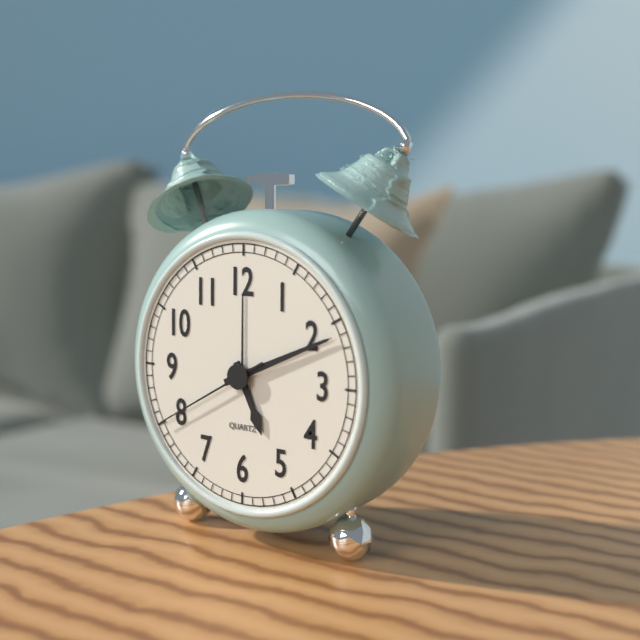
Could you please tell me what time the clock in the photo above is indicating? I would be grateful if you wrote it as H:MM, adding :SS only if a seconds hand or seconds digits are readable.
5:11:40
